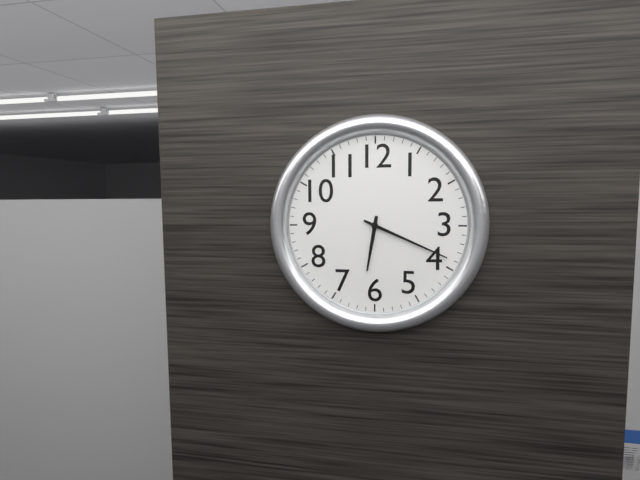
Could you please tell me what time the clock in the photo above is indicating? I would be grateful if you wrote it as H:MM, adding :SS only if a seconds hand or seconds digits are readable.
6:19
